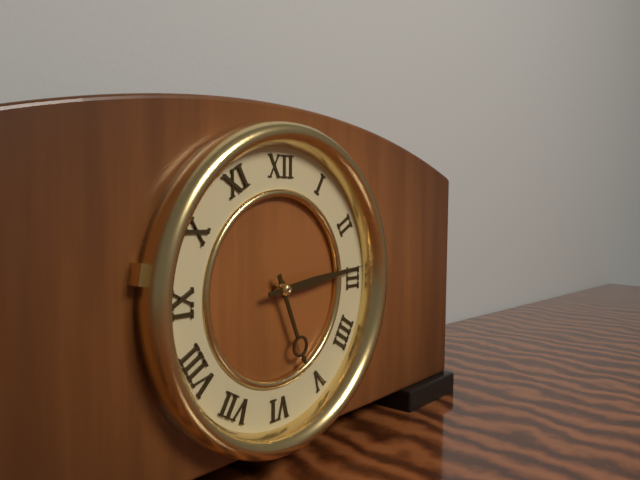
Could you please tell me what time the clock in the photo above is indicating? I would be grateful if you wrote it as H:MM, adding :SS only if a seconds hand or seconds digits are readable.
5:14
